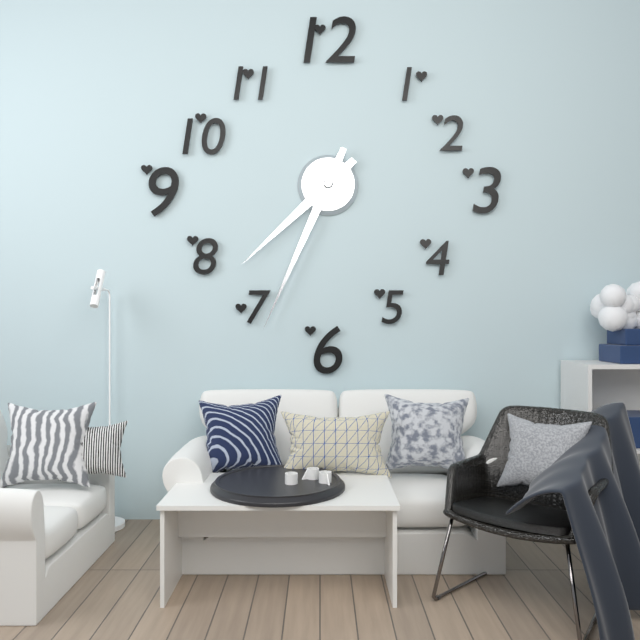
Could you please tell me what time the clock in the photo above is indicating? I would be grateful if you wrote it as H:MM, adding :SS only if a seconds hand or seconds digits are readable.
7:34
